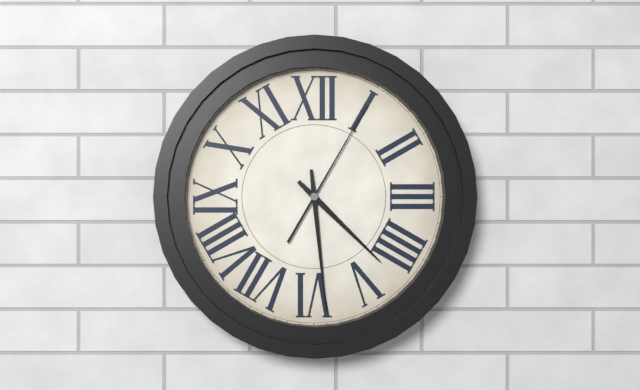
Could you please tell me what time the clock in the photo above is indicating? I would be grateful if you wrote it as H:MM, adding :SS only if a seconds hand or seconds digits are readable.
4:29:05
